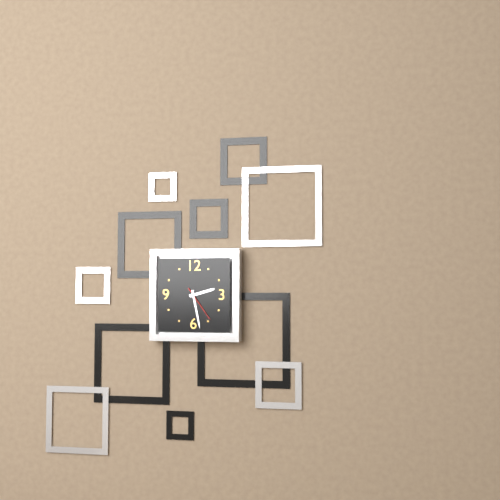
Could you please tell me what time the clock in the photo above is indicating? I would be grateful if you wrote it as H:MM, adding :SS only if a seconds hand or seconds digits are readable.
2:28
